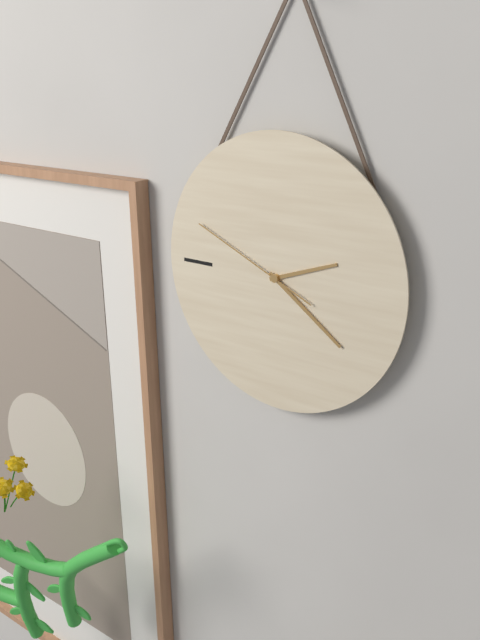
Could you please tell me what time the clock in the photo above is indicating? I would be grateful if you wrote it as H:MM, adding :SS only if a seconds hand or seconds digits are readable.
2:21:49
